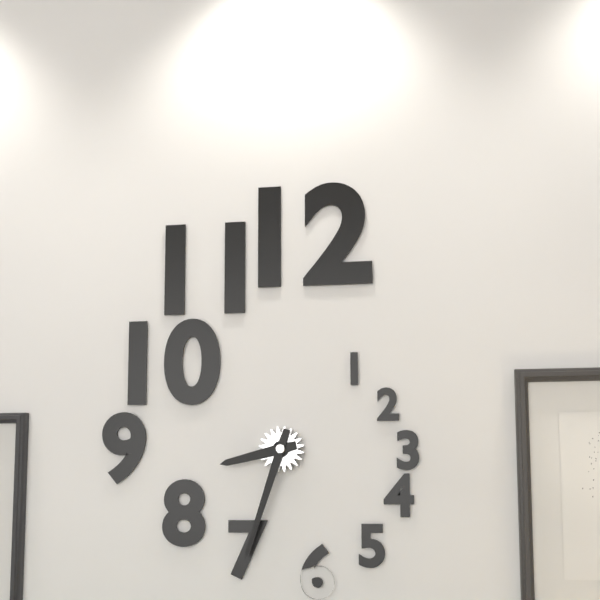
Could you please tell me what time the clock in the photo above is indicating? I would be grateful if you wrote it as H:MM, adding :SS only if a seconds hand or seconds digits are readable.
8:33
